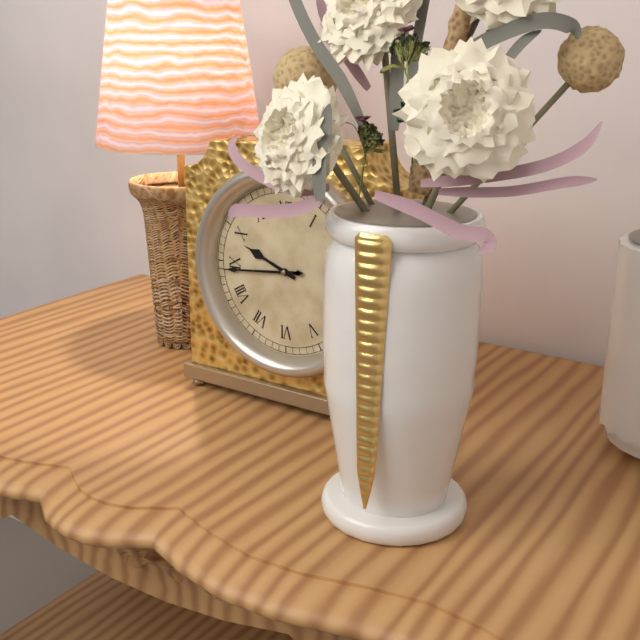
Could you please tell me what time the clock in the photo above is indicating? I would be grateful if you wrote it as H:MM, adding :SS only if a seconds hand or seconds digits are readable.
9:44
